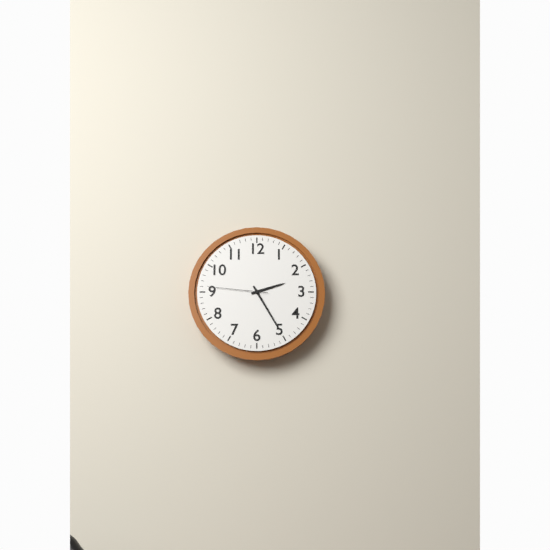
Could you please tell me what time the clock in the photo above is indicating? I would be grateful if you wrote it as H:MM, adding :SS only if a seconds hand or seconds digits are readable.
2:25:46
